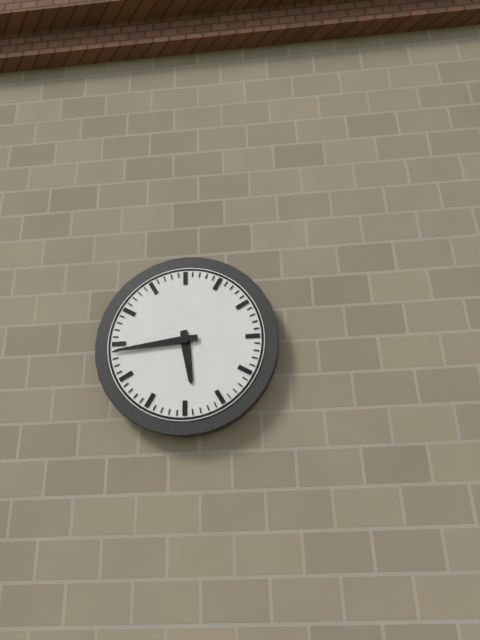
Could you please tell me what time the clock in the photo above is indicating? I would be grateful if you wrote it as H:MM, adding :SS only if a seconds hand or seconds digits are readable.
5:44
